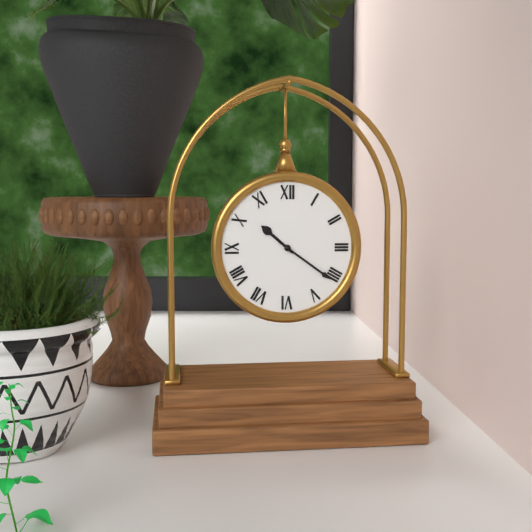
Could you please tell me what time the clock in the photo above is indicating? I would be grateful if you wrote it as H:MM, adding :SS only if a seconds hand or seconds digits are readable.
10:21
